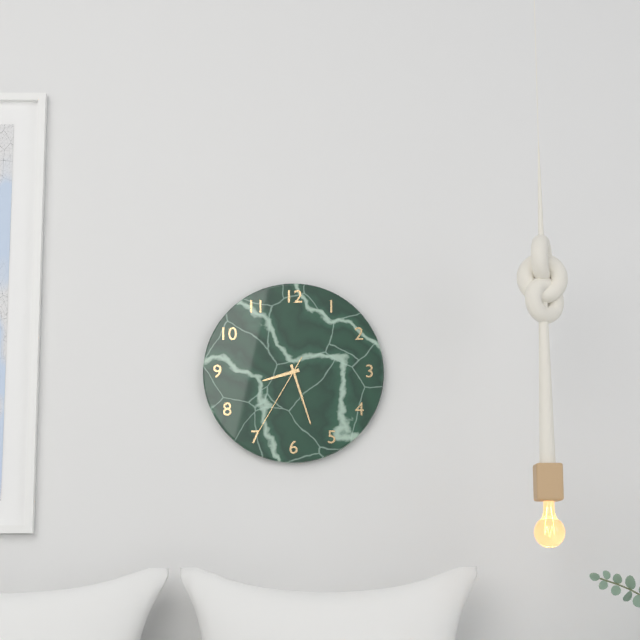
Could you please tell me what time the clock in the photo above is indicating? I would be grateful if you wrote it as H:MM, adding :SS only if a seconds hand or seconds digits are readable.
8:27:35
